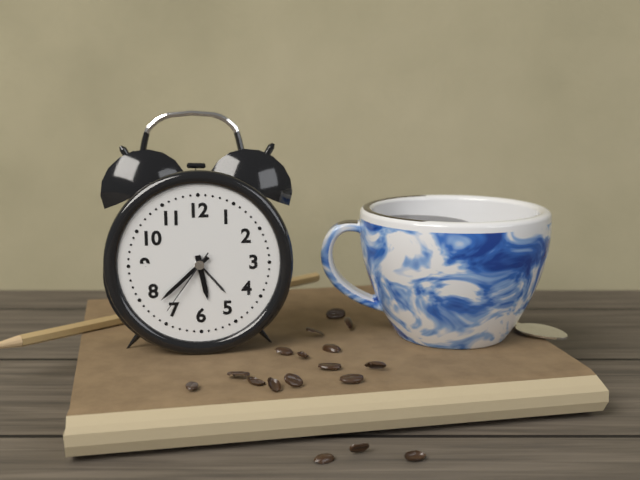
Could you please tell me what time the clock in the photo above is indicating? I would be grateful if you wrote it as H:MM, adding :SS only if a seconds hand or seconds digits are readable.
5:38:36
